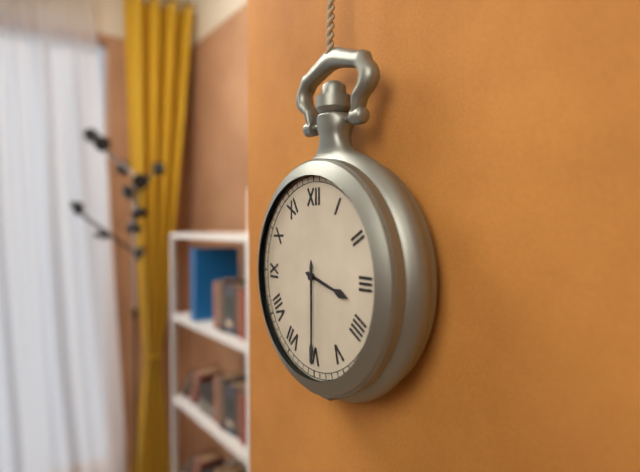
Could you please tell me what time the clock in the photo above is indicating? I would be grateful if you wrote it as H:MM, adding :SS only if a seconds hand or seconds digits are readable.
3:30
